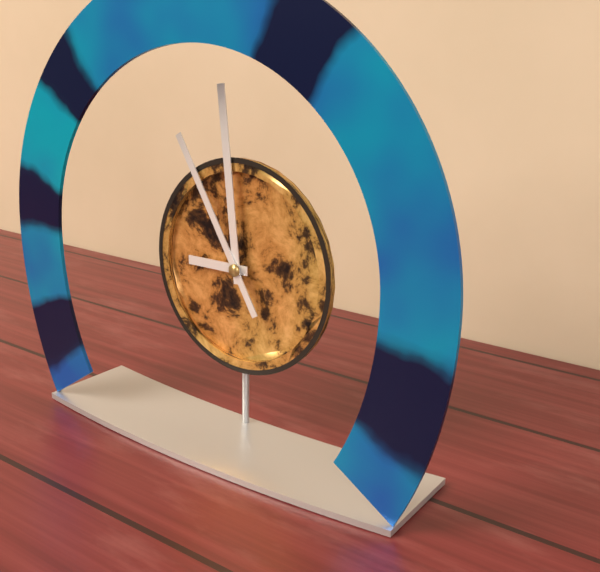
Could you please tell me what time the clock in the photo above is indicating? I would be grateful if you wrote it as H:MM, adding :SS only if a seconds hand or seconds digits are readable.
8:59:55
